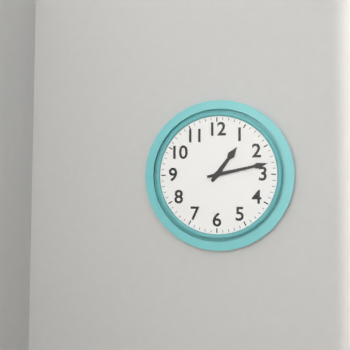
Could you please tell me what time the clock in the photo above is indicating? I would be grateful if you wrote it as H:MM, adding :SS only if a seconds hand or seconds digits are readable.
1:13
